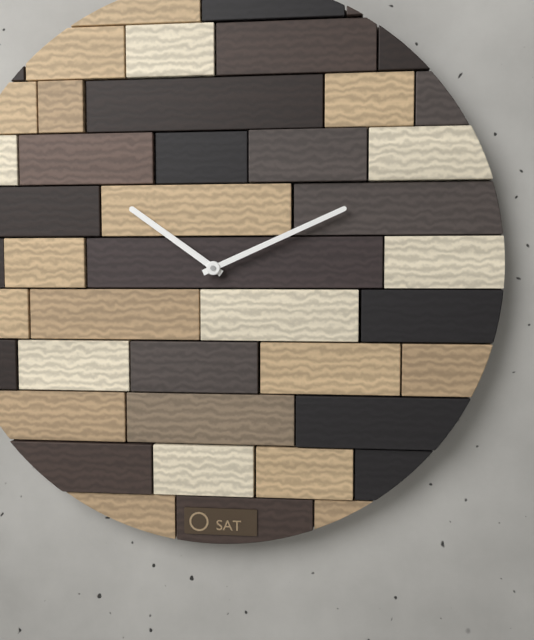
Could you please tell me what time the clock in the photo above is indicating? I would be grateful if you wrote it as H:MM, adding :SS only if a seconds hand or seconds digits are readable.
10:11
